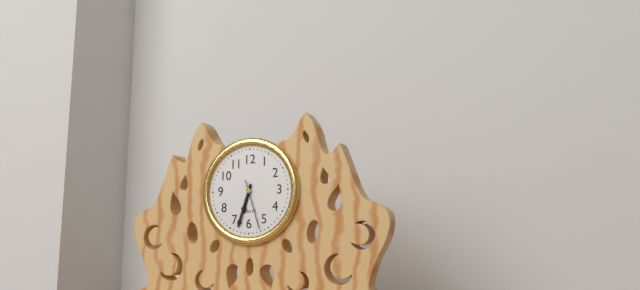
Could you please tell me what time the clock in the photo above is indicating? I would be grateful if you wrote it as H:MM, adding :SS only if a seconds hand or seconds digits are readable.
6:33
